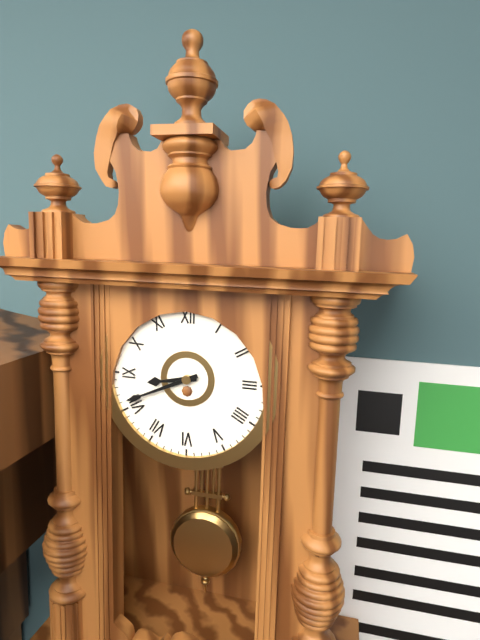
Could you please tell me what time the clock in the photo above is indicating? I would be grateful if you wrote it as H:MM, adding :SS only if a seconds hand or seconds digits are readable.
8:41
